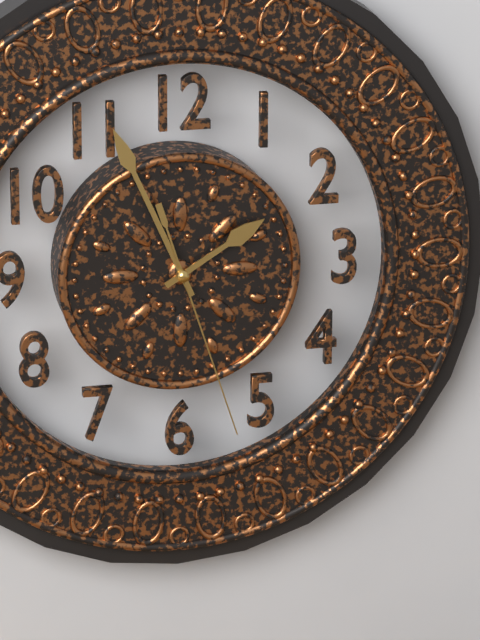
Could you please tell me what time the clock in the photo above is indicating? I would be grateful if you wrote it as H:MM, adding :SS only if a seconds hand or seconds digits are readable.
1:56:27
